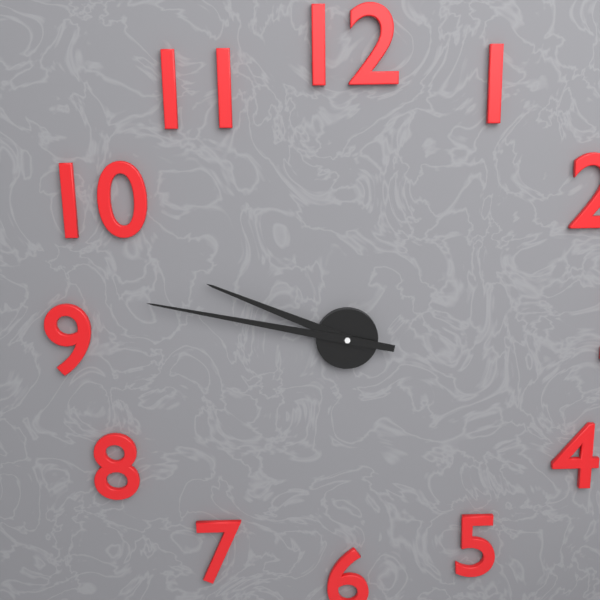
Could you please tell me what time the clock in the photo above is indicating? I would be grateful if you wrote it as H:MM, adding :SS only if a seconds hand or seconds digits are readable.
9:47
